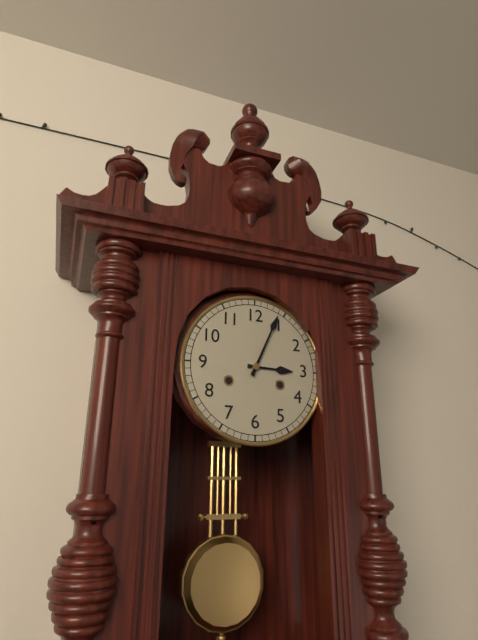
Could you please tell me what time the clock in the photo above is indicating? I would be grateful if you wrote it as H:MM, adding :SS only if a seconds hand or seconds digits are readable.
3:04
